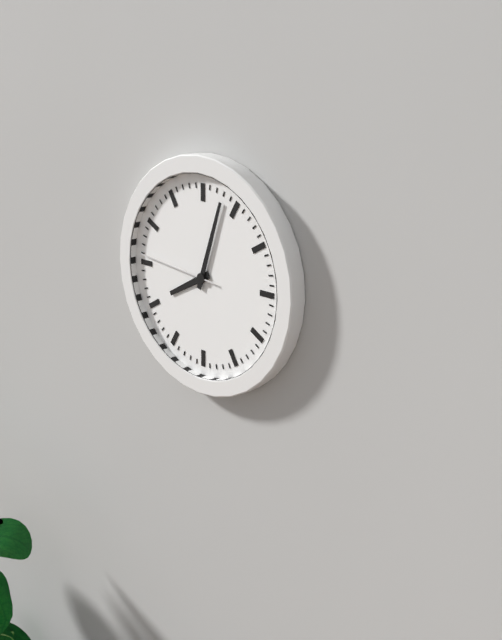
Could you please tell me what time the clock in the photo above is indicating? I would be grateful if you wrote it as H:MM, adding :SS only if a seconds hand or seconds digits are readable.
8:03:46
